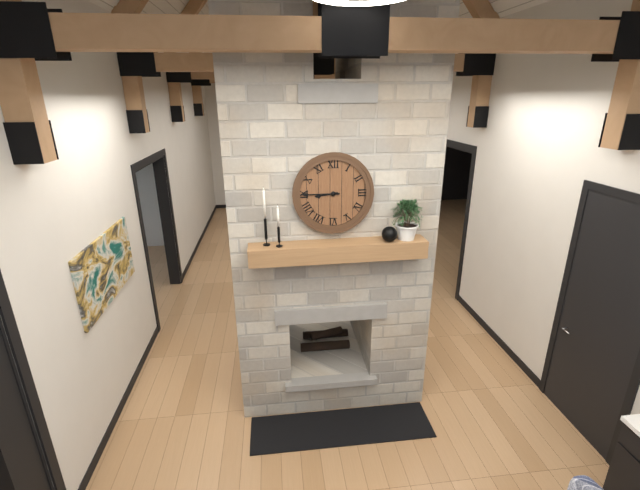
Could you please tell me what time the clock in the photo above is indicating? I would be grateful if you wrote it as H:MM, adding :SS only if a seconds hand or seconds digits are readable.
8:45
